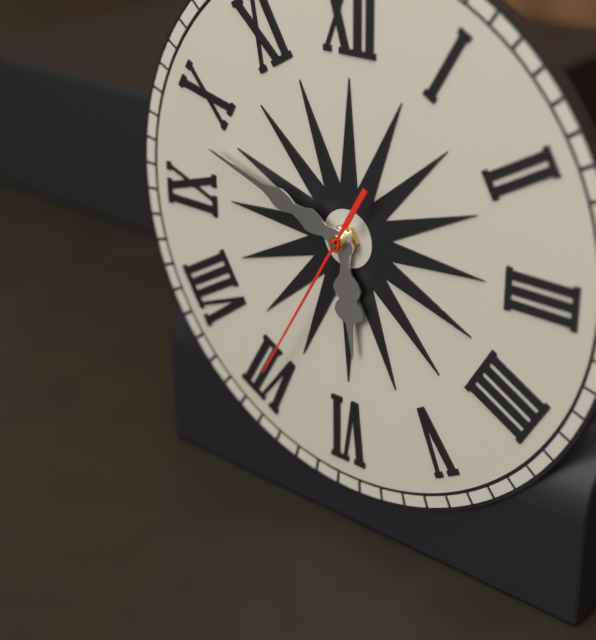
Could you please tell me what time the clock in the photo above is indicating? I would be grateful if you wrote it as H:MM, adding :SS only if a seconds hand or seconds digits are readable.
5:48:35
